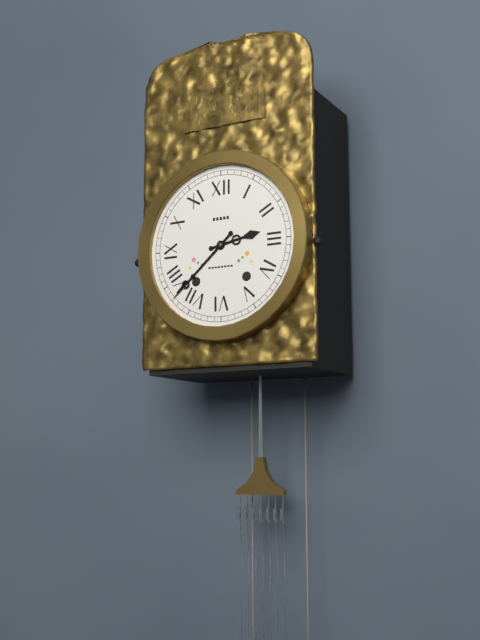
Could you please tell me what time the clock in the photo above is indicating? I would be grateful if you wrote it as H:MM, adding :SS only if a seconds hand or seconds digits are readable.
2:38
